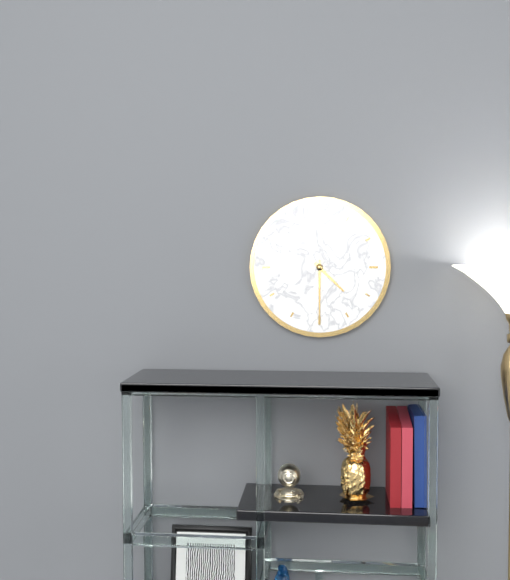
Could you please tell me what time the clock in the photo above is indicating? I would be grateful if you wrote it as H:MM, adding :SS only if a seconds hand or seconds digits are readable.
4:30
